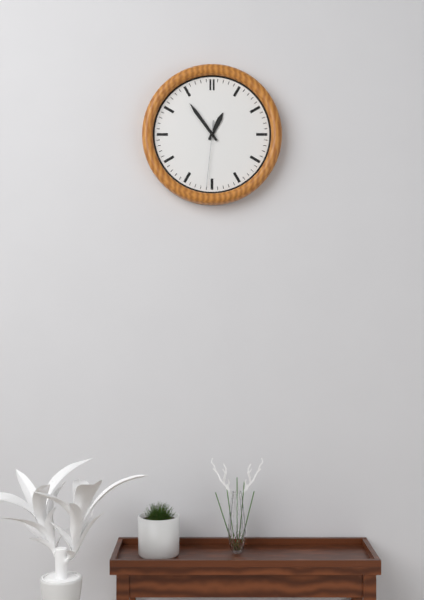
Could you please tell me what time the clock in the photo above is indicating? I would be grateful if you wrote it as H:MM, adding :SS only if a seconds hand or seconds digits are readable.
12:54:31
